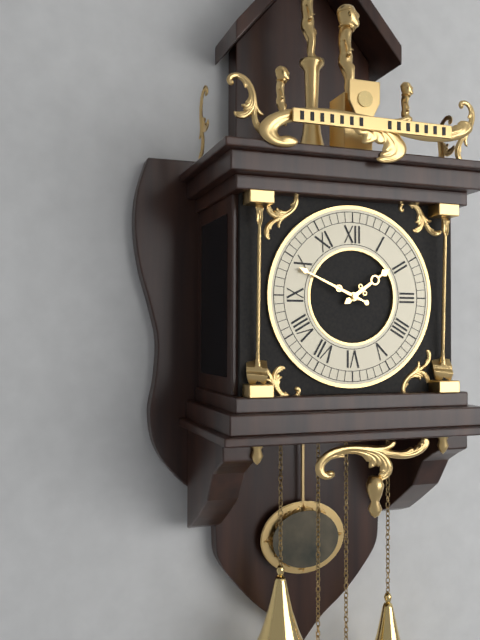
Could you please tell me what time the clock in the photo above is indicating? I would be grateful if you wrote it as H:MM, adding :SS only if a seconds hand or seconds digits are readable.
1:49
